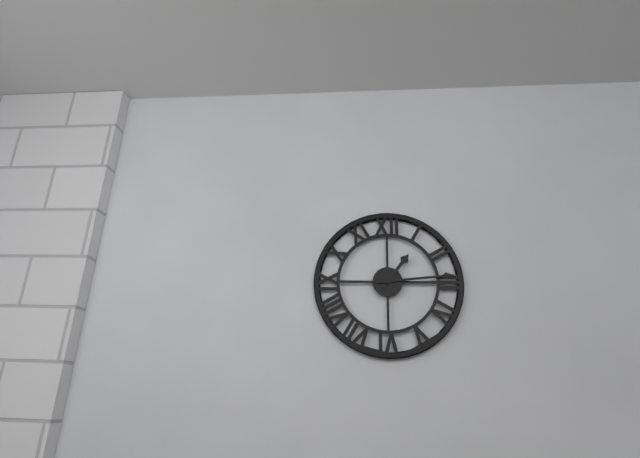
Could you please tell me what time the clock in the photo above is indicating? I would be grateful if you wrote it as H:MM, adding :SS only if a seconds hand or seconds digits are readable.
1:14
